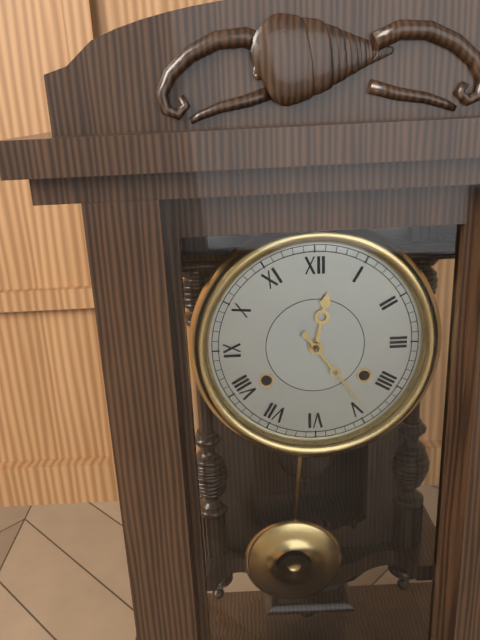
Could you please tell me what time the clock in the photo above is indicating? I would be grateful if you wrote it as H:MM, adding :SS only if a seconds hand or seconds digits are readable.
12:24
